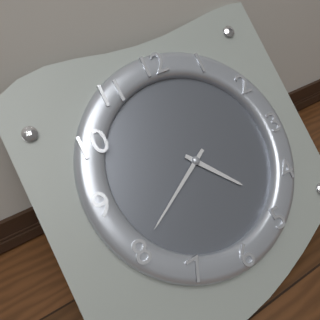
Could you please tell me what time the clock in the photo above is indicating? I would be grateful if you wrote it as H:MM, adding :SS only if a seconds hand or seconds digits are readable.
4:40
